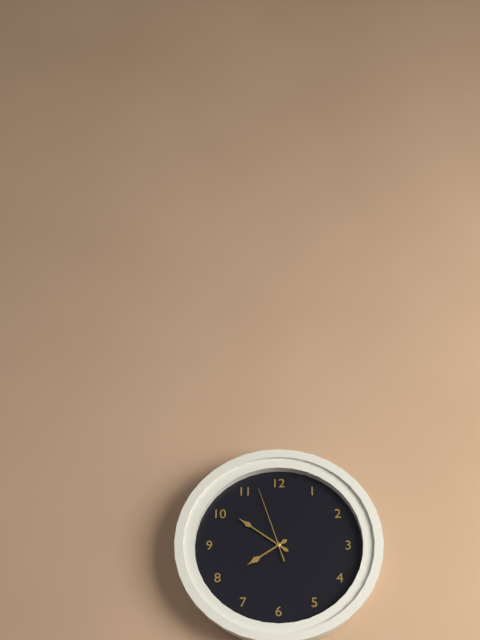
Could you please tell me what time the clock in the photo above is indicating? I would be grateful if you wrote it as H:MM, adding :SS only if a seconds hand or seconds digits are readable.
7:51:57
